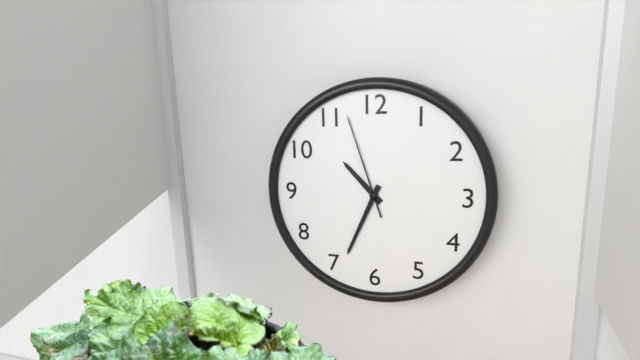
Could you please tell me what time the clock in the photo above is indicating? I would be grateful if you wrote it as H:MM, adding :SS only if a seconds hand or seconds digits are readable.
10:34:57
